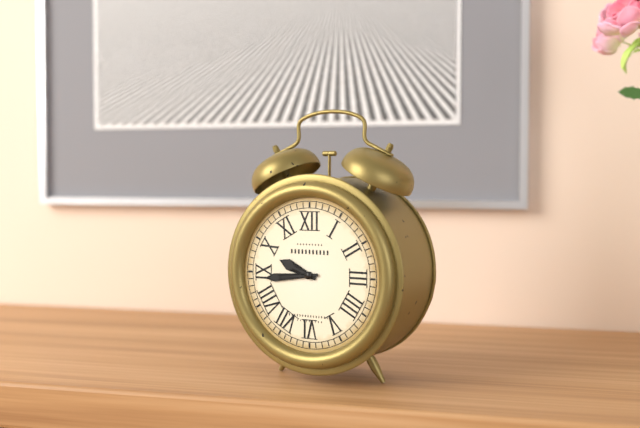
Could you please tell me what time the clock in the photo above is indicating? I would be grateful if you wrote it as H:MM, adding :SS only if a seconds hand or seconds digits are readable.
9:44
